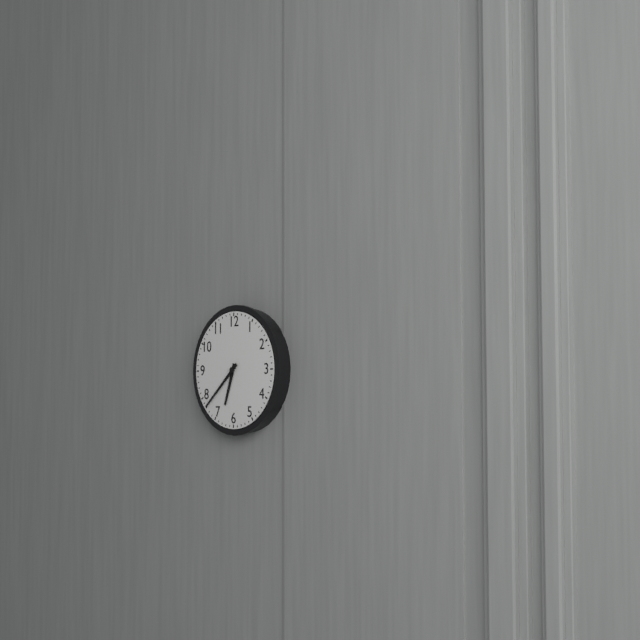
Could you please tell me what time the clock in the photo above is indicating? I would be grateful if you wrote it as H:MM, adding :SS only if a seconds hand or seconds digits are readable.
6:38
